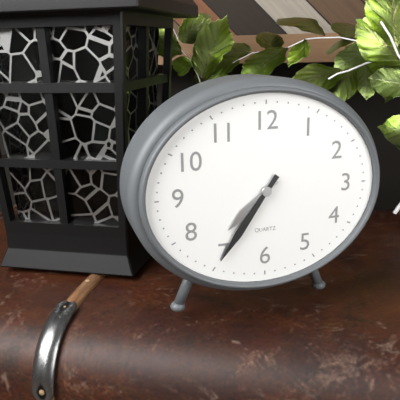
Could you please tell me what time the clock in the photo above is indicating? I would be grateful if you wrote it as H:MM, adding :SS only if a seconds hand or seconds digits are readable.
7:36
